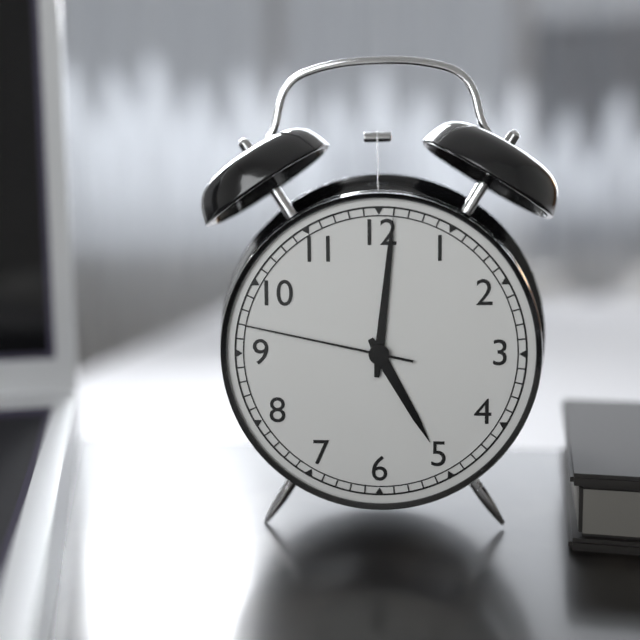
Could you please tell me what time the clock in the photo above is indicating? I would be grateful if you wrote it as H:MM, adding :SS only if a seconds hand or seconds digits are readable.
5:01:47
